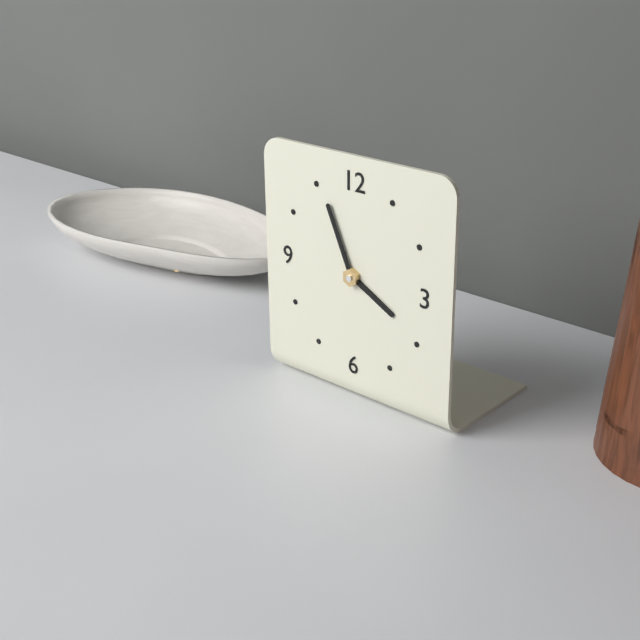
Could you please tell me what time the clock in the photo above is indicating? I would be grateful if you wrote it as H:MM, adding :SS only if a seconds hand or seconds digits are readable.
3:56
